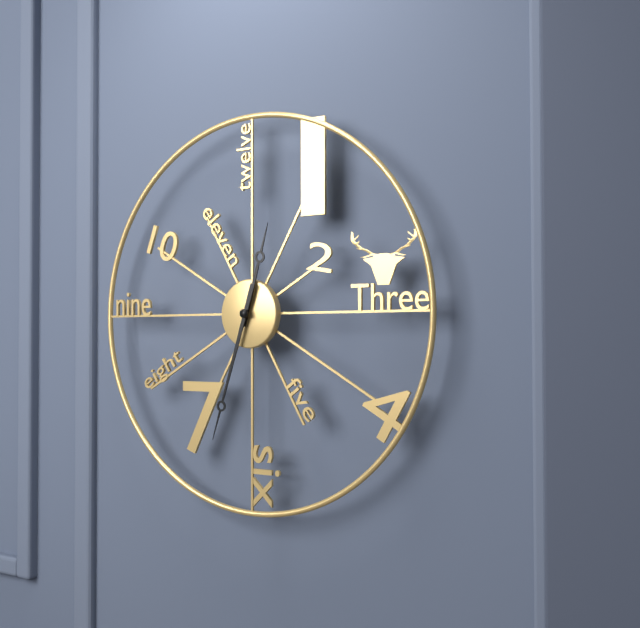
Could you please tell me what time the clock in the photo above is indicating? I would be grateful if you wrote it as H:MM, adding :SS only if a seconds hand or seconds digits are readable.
12:33
